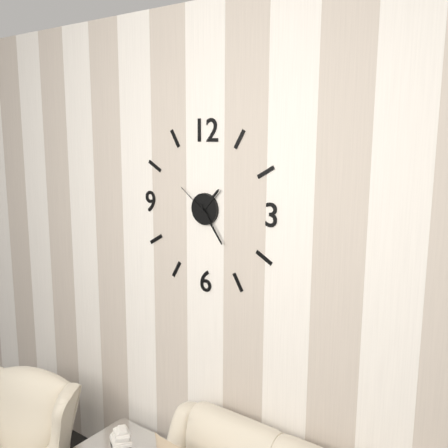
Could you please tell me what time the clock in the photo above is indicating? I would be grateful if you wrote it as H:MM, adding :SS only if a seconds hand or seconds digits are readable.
1:24
